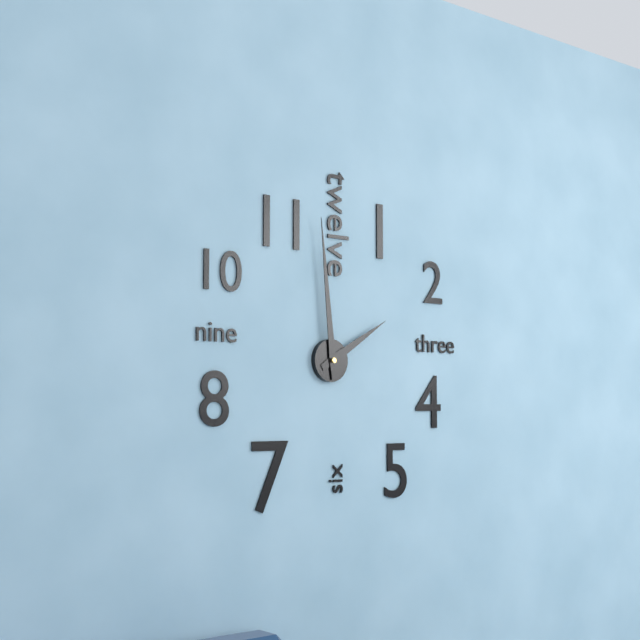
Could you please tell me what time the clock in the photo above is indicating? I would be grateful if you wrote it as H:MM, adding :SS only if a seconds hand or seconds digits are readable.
1:59
